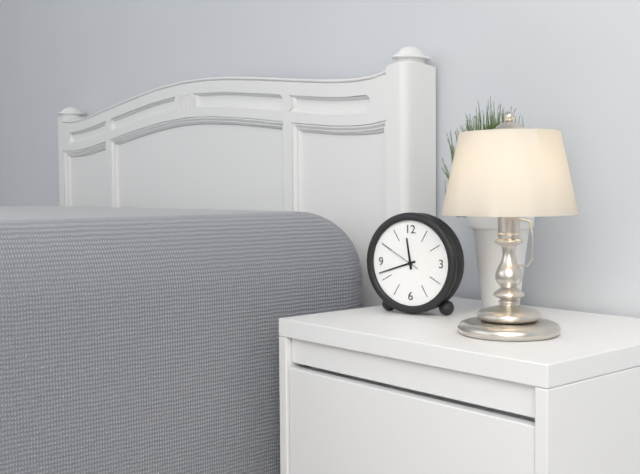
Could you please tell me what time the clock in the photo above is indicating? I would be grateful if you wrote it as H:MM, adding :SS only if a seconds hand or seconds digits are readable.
11:42
